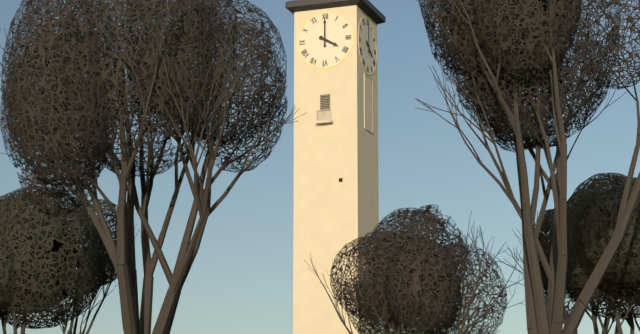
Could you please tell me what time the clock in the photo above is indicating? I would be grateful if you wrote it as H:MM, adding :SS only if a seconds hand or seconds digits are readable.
4:00
